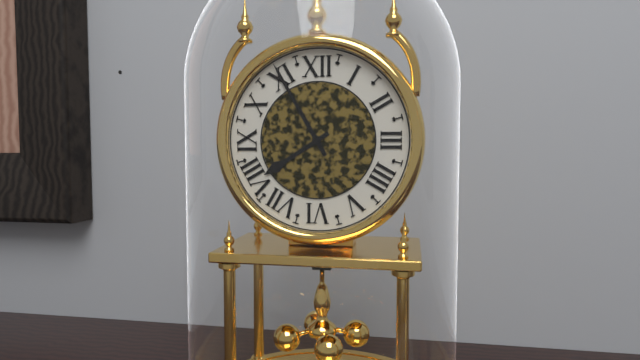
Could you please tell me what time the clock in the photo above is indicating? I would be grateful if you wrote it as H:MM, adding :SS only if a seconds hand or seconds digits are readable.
7:55
